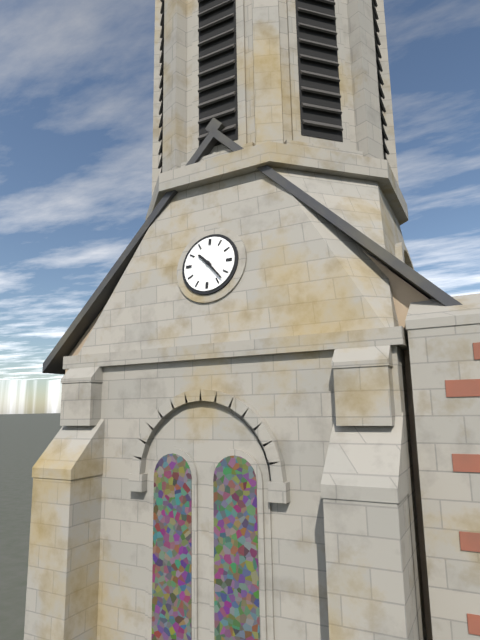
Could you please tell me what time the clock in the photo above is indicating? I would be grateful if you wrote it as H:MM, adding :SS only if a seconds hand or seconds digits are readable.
10:23
